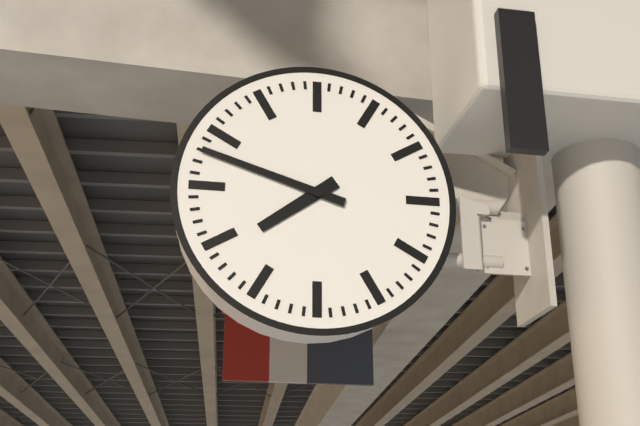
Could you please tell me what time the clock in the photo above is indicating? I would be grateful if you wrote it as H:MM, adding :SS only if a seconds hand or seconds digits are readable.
7:48
